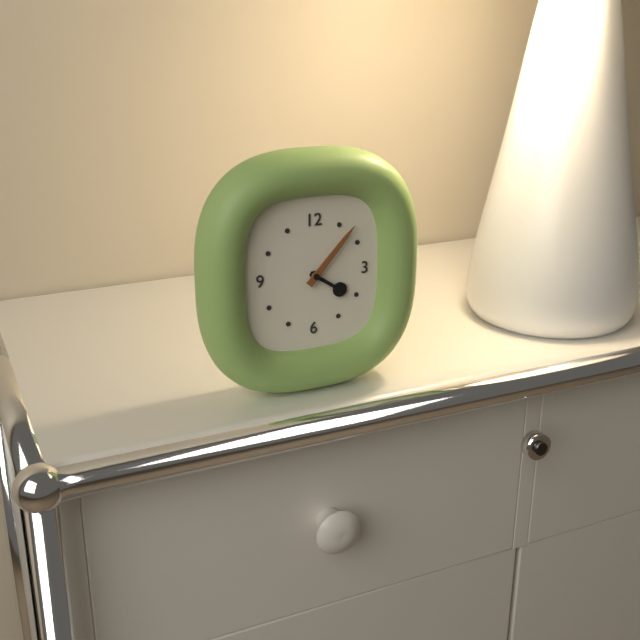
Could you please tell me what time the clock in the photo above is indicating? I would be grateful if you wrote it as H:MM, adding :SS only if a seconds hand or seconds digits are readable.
4:07
